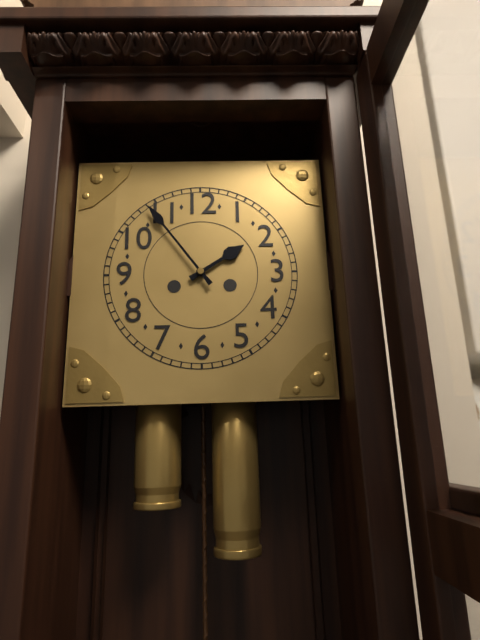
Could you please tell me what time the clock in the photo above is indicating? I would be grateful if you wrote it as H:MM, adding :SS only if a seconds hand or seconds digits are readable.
1:54
